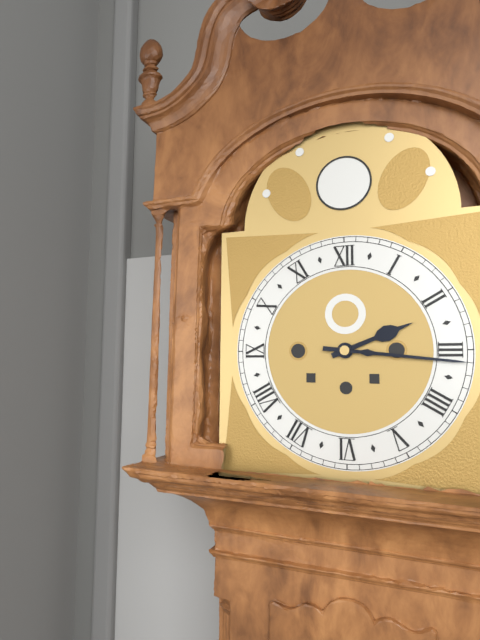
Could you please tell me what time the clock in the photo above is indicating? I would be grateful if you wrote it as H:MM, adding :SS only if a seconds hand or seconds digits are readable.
2:16
